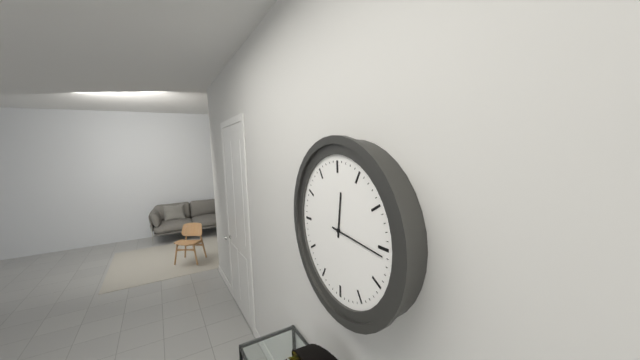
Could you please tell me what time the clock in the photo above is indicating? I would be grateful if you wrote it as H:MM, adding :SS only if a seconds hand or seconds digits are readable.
12:16
